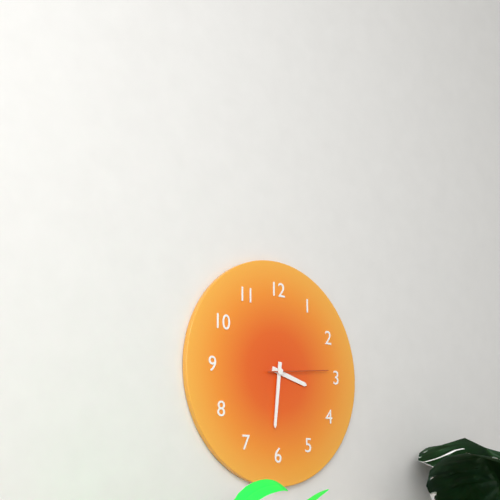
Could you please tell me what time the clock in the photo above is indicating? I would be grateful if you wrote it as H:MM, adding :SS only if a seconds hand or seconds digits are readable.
3:31:14
